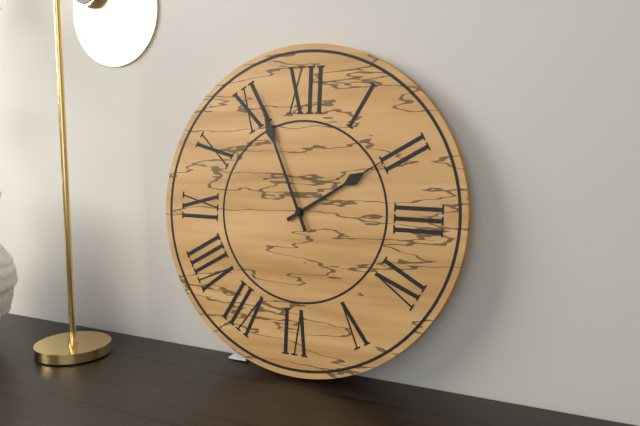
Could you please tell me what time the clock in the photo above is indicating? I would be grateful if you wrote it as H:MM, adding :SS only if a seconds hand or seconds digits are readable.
1:56
